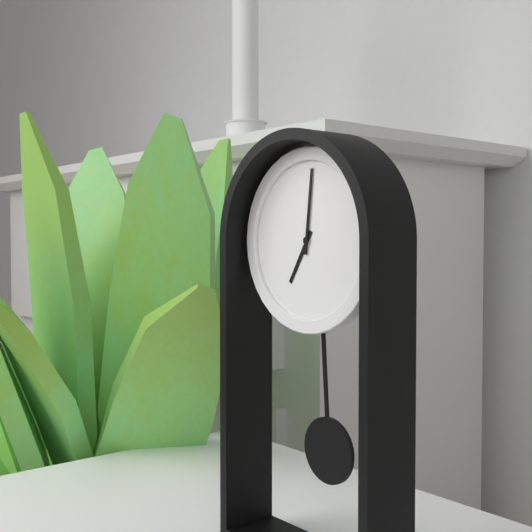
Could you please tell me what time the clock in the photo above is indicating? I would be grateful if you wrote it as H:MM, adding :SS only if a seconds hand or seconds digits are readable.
7:01
